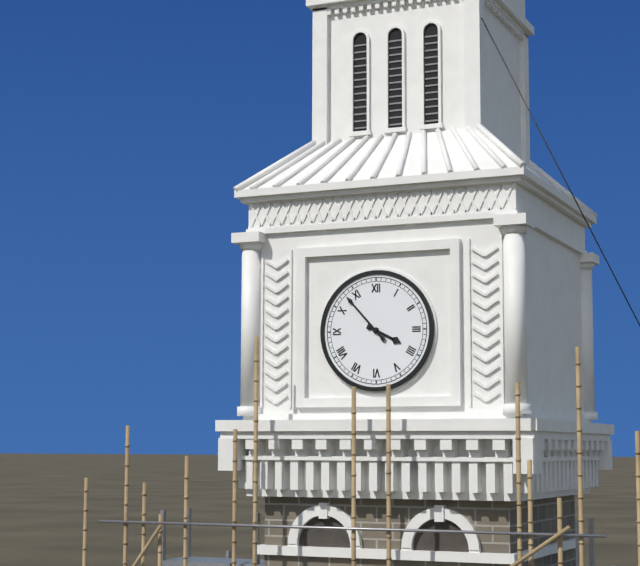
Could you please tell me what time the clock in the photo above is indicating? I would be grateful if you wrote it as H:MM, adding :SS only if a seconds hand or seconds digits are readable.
3:53
